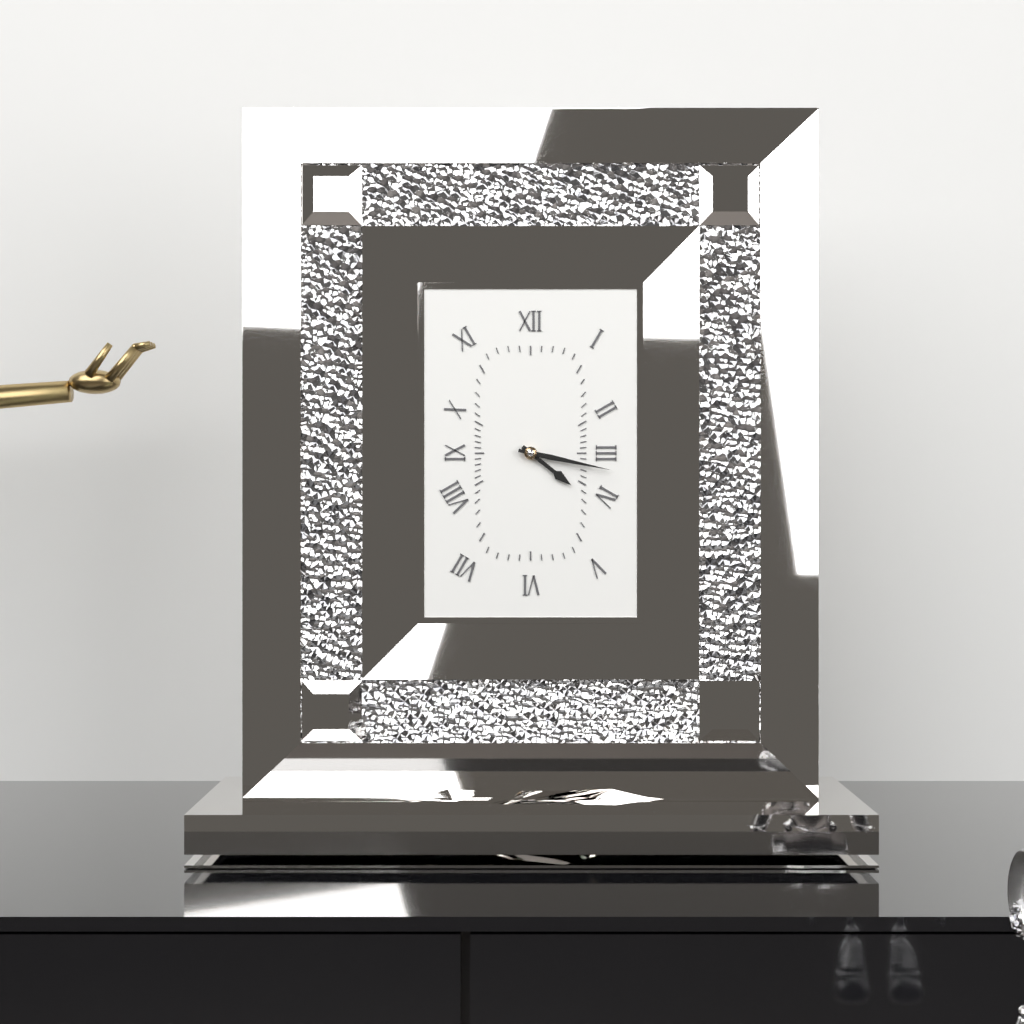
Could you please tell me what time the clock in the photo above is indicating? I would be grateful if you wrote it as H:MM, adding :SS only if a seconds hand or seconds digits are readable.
4:17
